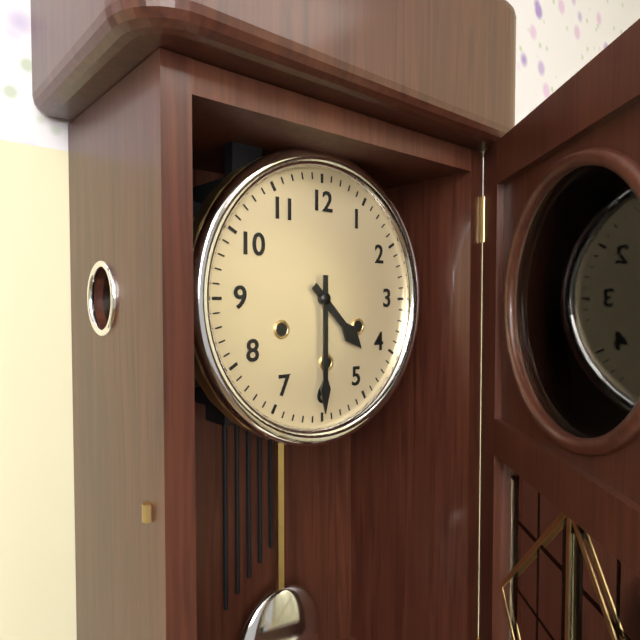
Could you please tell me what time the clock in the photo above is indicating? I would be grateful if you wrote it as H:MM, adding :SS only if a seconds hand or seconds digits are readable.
4:30
